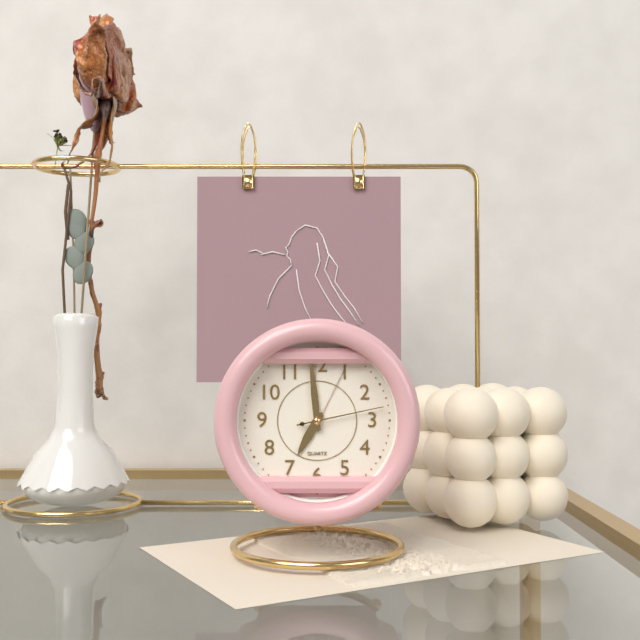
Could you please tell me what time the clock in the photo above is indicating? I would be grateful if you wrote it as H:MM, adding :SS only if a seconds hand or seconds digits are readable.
6:59:13
